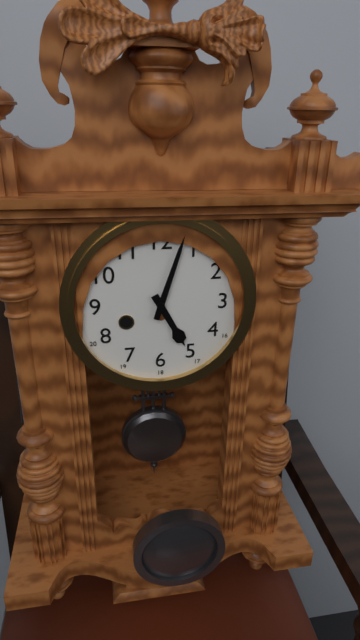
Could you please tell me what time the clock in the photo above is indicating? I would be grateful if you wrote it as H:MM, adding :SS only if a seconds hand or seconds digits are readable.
5:03
